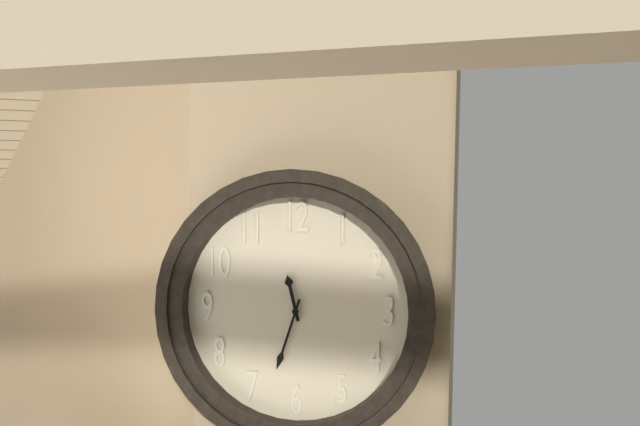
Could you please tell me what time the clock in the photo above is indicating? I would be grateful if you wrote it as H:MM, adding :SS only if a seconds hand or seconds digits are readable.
11:33
